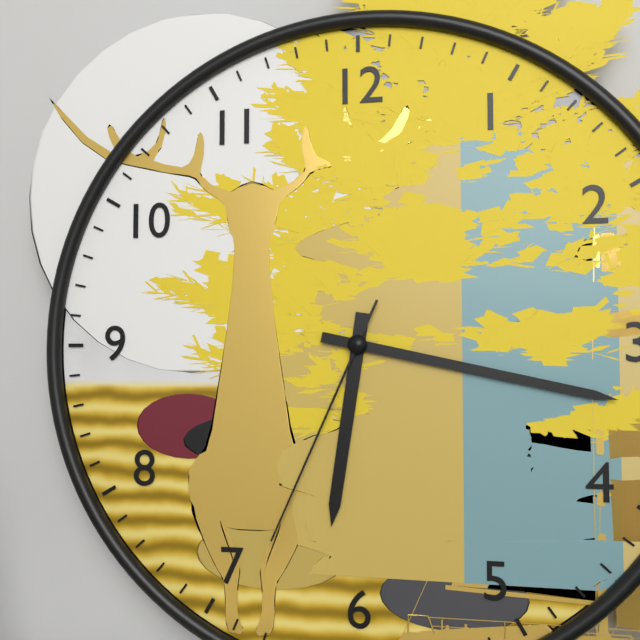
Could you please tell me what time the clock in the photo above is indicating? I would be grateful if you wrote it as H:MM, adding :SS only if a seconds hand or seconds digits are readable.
6:17:34
